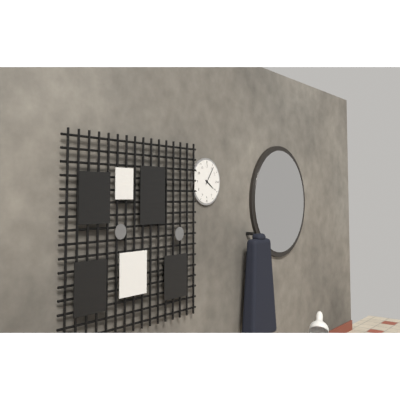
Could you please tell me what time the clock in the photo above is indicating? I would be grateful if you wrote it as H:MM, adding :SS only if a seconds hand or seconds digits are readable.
4:06
